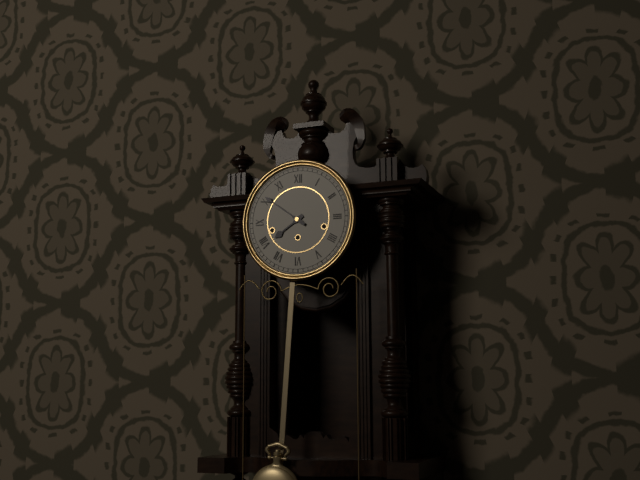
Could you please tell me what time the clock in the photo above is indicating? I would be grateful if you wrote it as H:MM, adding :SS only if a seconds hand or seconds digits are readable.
7:51
